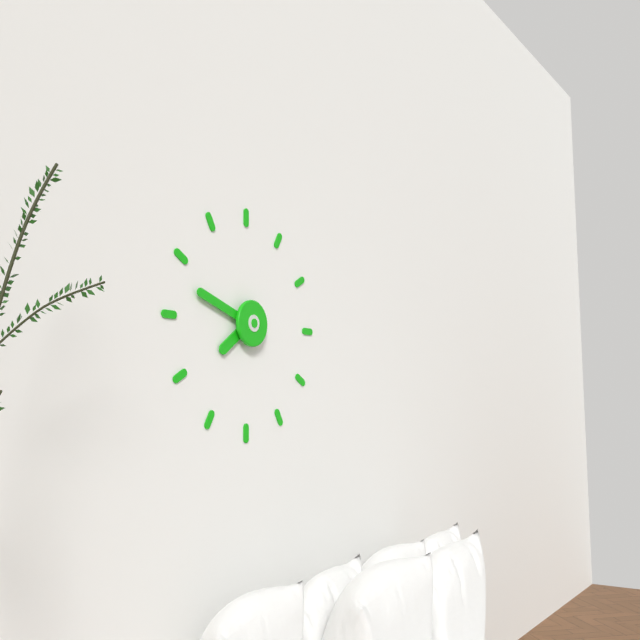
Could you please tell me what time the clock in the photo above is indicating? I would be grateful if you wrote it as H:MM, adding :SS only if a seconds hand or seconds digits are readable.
7:48
